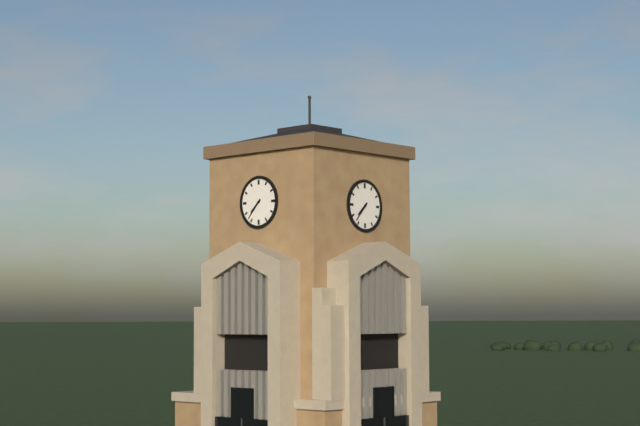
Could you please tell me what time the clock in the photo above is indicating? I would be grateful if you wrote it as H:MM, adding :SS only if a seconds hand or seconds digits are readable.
7:37
